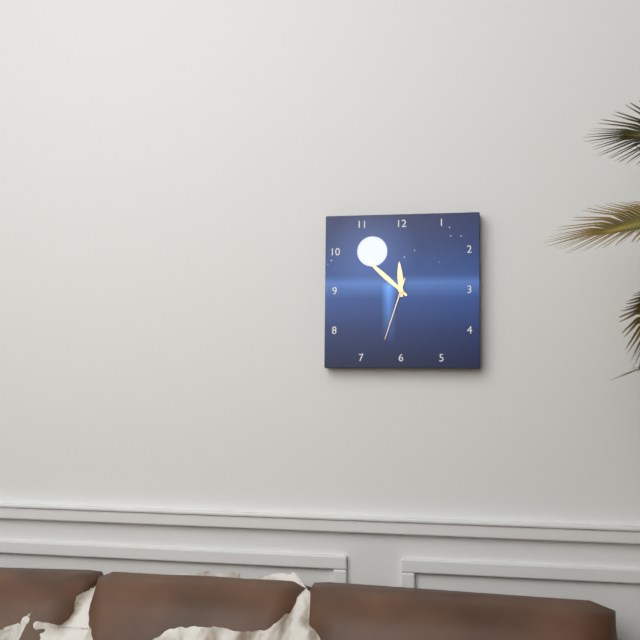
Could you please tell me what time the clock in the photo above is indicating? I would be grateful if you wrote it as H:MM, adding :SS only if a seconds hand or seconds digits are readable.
11:52:33
